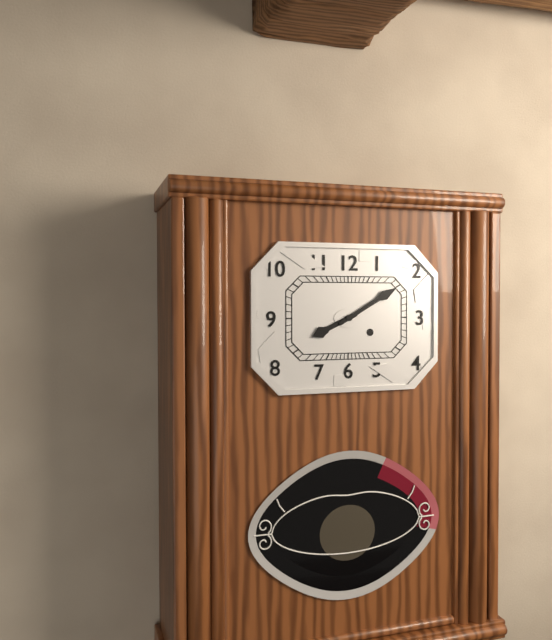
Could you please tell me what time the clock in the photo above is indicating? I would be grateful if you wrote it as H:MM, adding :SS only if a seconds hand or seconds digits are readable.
8:10
